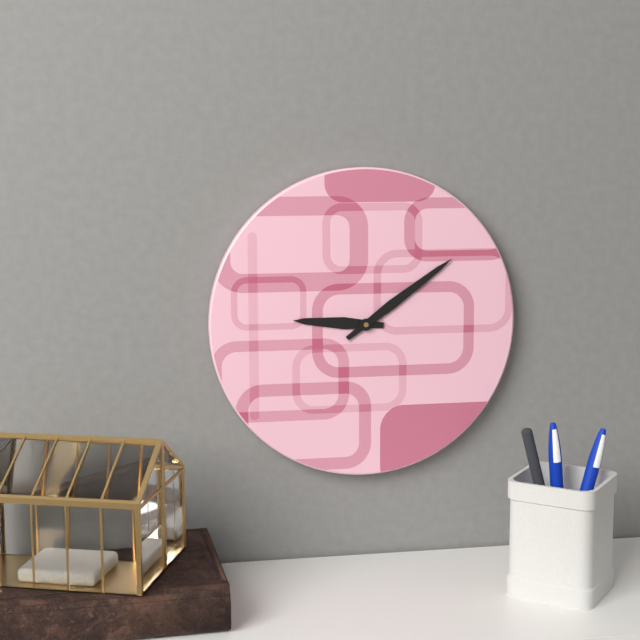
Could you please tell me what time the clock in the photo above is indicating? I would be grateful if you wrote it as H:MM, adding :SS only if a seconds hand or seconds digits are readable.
9:09
